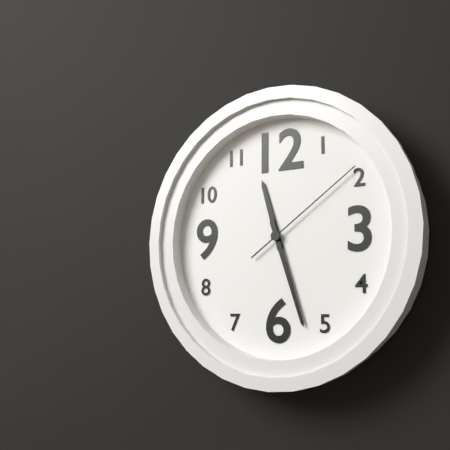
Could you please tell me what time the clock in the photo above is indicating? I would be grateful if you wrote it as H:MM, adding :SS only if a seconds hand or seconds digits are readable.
11:27:09
